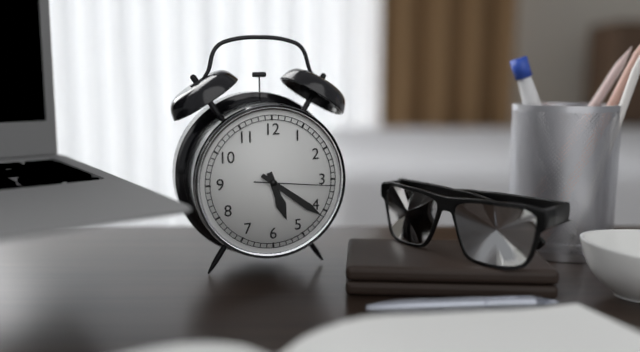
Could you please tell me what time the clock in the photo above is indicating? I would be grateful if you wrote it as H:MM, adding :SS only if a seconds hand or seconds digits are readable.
5:21:16
